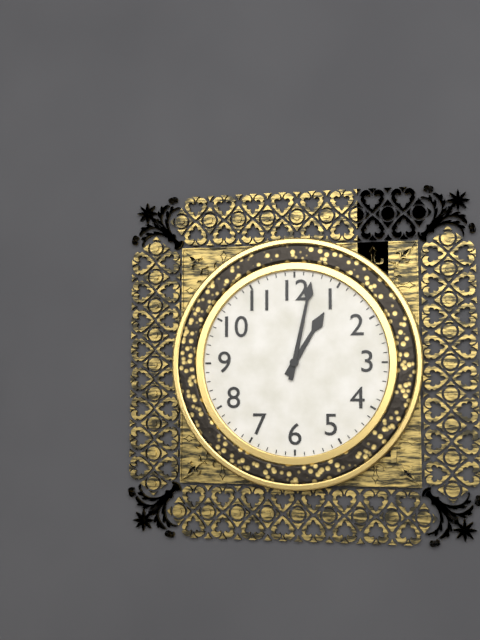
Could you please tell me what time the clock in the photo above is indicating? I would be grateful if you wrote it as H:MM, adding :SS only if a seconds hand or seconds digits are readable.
1:02
